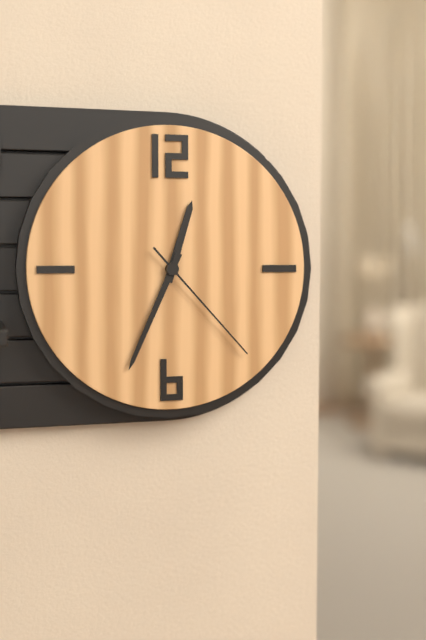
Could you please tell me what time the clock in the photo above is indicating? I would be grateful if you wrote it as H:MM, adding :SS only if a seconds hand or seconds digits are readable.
12:34:23
